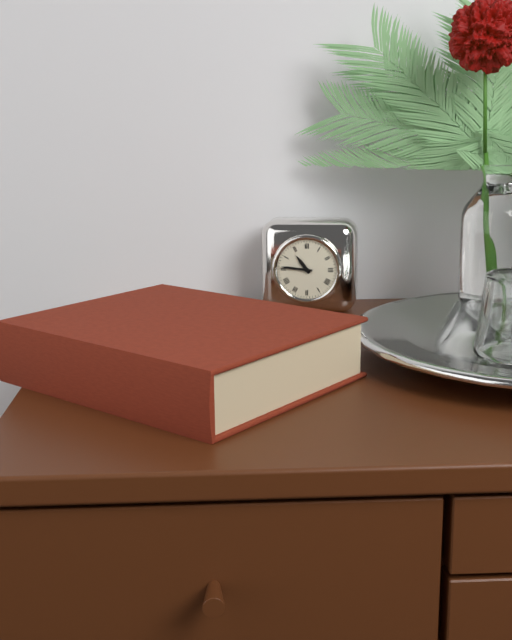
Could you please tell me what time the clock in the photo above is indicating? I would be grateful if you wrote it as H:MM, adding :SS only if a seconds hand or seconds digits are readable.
10:46
